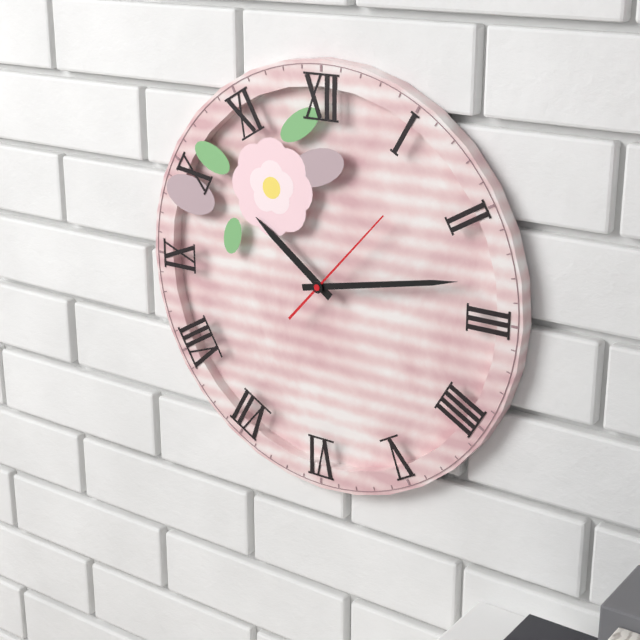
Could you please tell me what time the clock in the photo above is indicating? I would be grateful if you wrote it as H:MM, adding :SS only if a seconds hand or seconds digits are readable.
10:13:07
